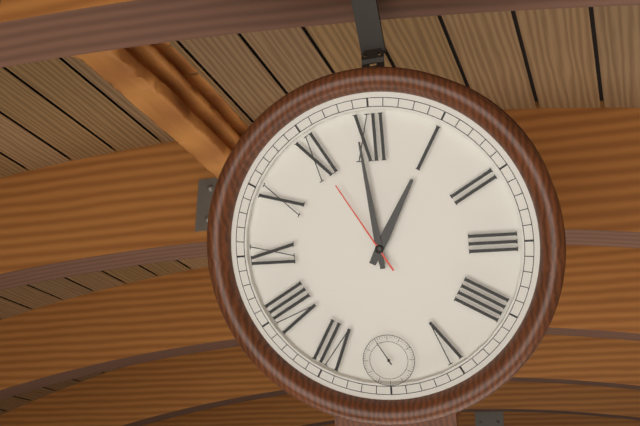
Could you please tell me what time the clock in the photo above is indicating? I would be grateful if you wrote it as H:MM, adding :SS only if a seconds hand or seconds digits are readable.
12:59:55
